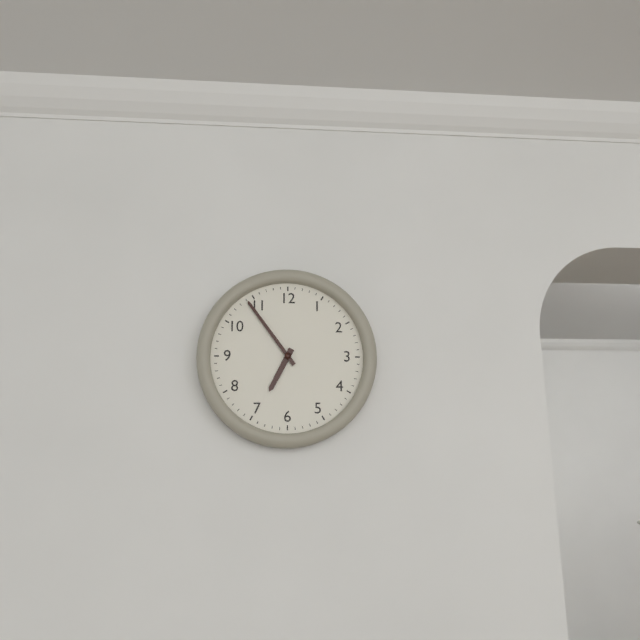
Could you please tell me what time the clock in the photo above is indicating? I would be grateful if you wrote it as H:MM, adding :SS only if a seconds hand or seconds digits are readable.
6:54
